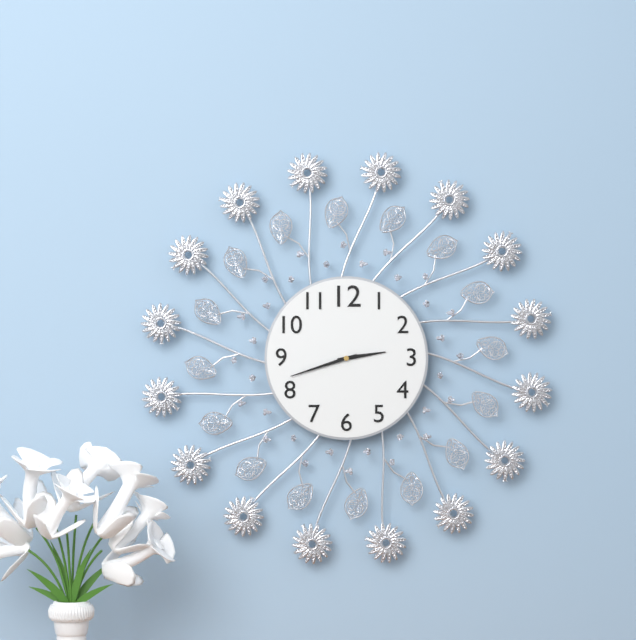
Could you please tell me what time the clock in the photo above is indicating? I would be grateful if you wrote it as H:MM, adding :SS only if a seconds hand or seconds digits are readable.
2:42
